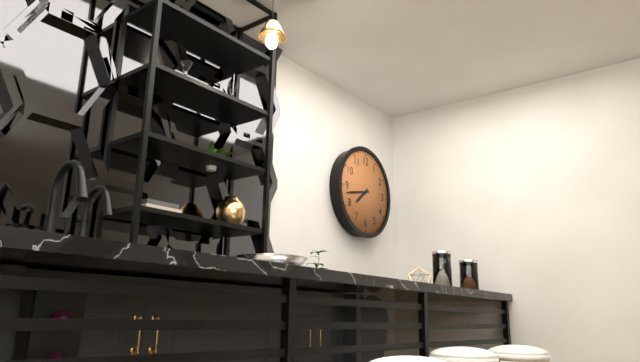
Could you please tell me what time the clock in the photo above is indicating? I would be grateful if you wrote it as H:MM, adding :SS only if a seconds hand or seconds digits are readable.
7:43
